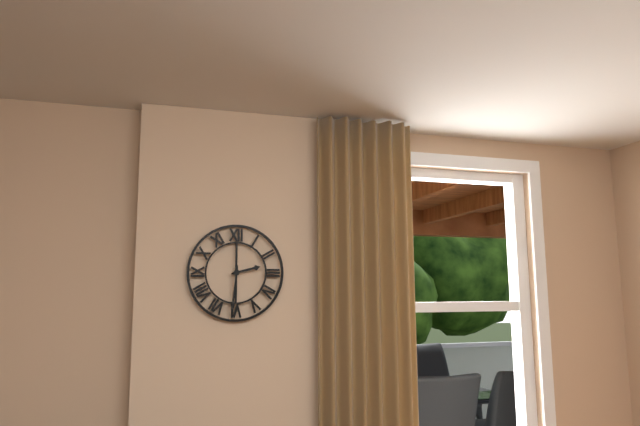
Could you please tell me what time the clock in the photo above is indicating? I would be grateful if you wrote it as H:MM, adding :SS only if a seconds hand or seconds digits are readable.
2:31
